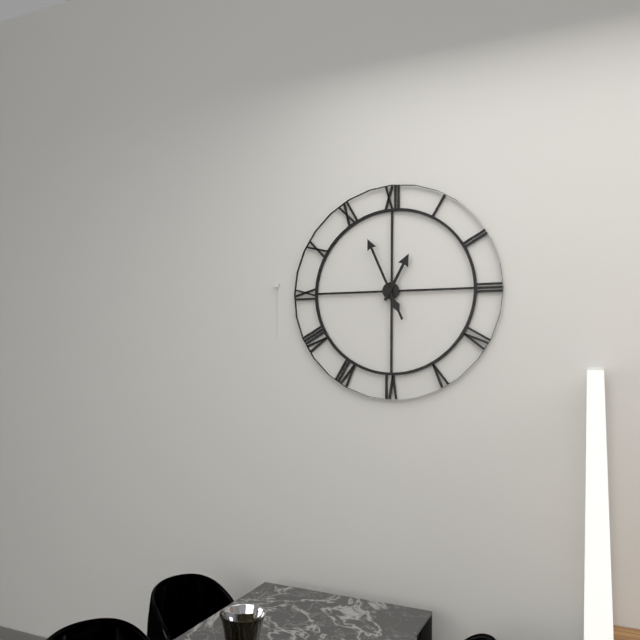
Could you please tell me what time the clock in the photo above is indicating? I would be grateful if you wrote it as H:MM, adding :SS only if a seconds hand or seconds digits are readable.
12:56
